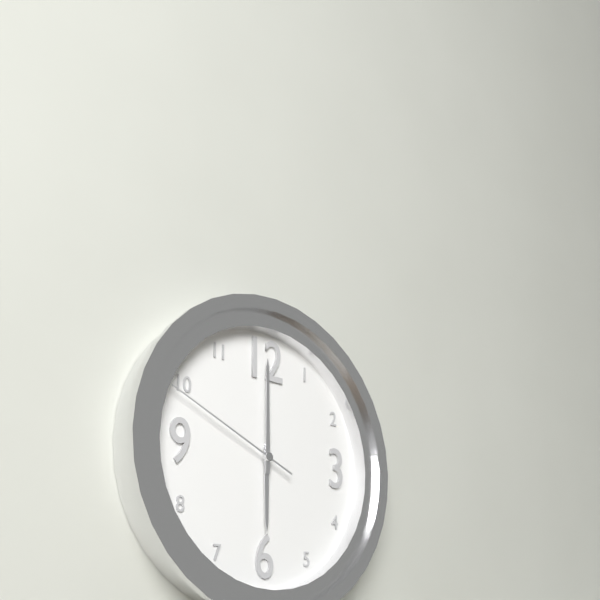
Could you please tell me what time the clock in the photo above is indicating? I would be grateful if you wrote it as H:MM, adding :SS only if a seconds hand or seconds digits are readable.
6:00:49
